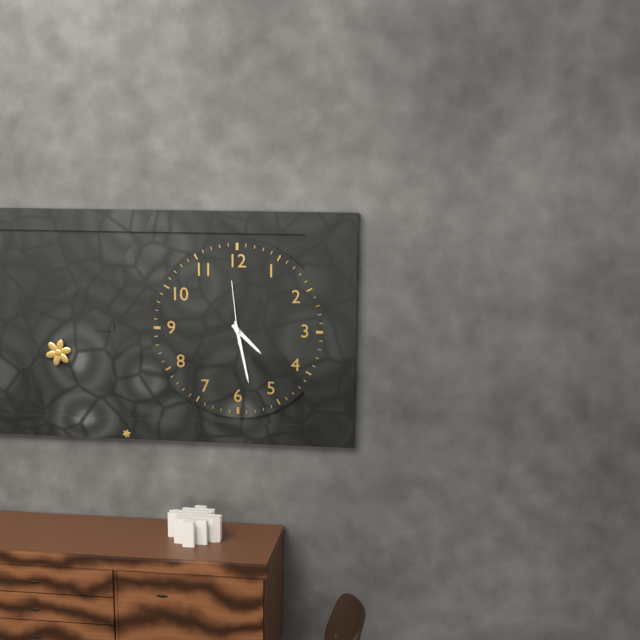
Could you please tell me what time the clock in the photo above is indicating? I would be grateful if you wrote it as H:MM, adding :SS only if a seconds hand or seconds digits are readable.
4:28:59
